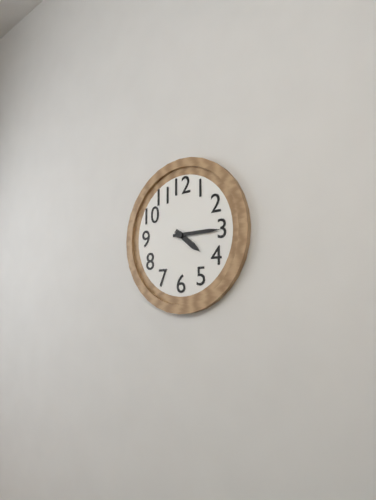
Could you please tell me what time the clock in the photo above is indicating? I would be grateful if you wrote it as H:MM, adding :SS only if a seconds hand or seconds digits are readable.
4:15
